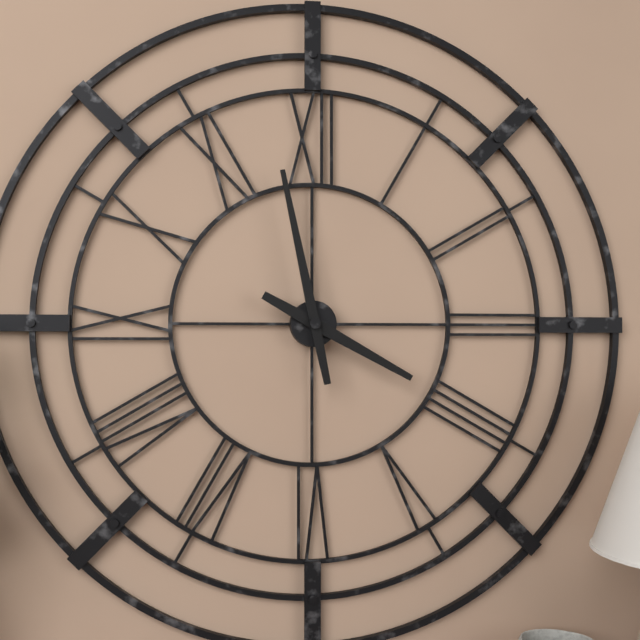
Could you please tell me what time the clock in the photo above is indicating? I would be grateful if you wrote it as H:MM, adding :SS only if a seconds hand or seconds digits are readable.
3:58
